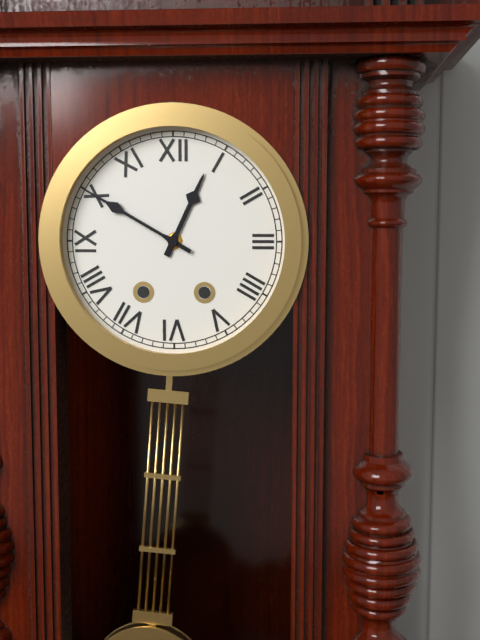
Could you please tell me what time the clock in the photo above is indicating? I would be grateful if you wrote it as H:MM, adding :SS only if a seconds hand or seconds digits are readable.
12:50
